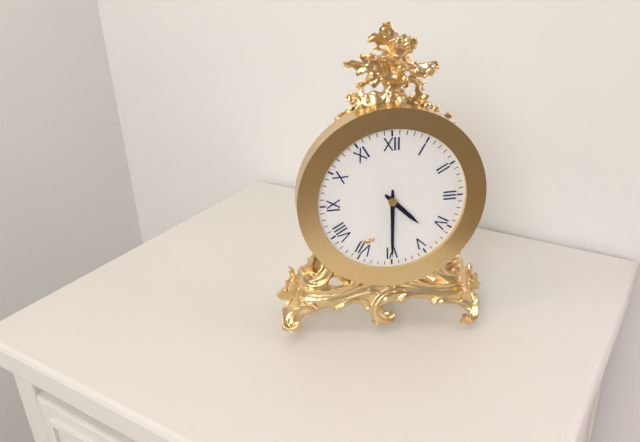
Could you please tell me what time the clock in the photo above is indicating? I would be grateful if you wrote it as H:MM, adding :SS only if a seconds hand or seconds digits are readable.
4:30
